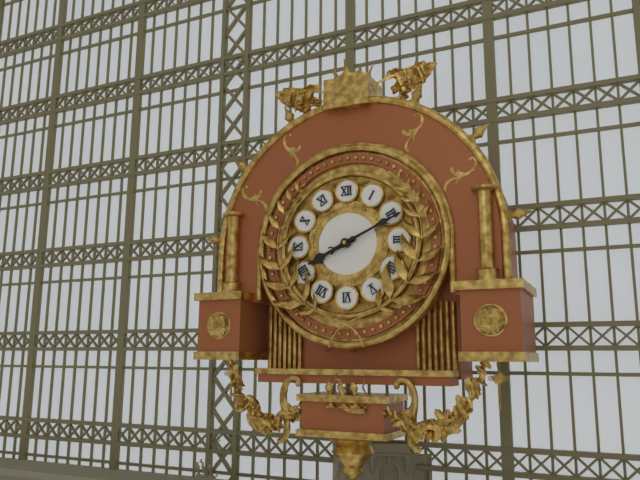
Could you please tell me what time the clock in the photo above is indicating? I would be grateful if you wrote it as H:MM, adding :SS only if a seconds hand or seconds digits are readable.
8:11
